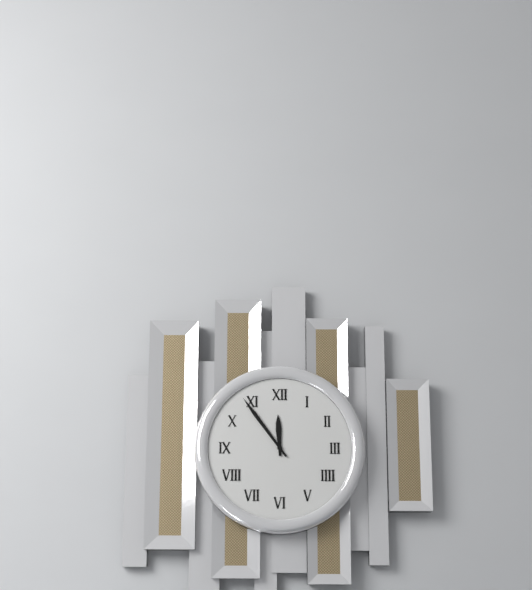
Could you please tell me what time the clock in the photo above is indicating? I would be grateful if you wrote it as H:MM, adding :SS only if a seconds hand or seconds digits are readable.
11:54
